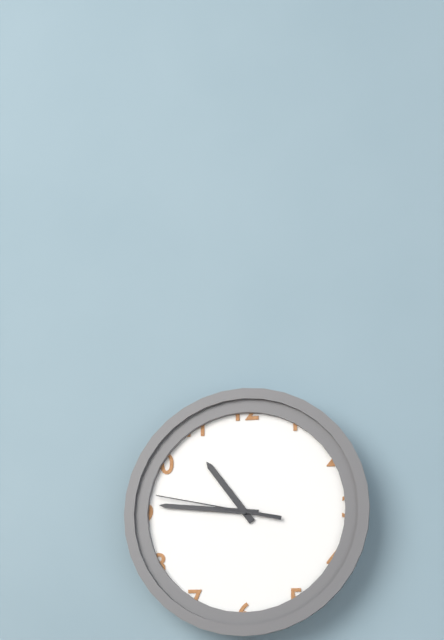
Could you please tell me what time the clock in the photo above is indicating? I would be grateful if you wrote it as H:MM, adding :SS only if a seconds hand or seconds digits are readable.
10:46:47
